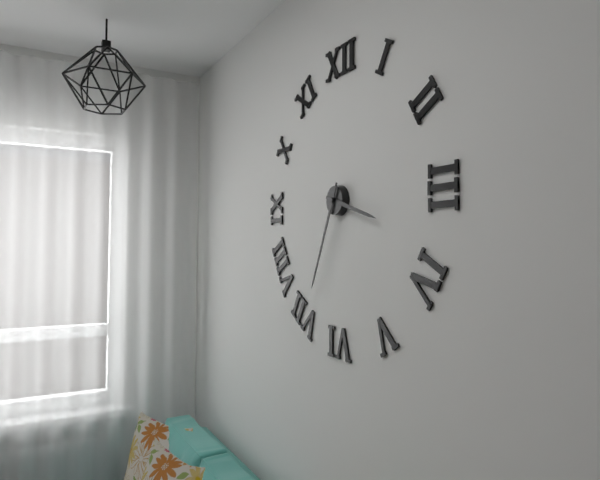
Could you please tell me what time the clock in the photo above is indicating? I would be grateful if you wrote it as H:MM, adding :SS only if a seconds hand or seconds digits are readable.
3:34
